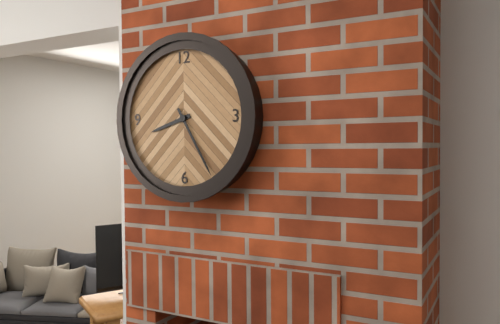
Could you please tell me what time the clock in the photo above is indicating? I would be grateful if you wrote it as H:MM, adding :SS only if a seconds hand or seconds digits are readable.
8:25
